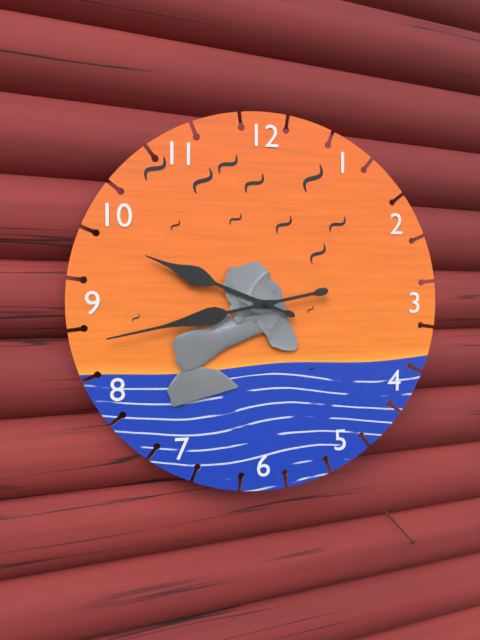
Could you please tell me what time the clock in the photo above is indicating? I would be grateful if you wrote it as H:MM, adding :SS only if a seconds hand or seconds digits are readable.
9:43
